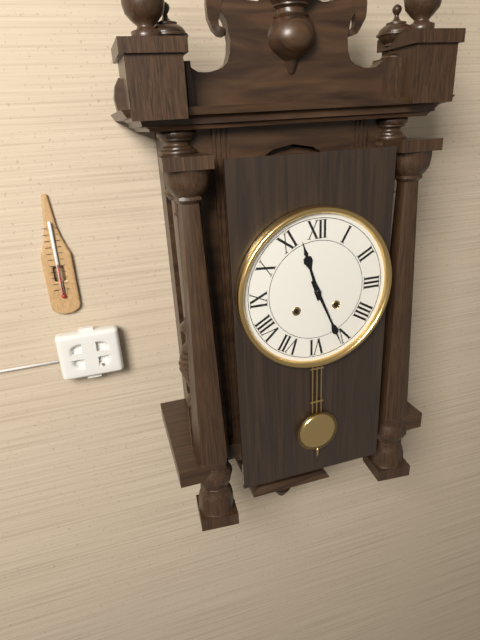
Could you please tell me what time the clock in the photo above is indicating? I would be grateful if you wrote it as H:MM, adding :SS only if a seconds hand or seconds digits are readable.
11:26
